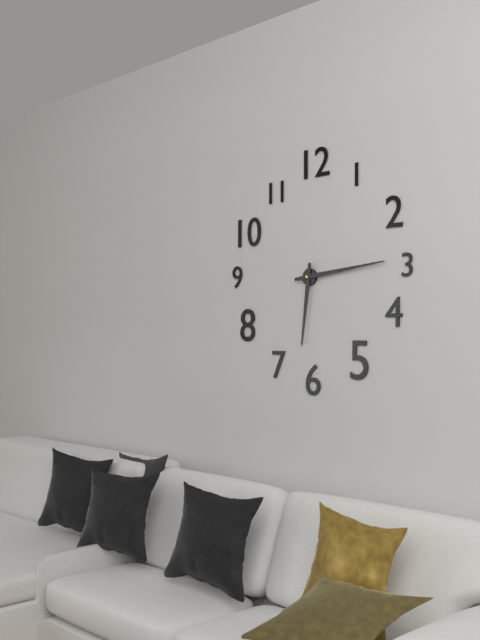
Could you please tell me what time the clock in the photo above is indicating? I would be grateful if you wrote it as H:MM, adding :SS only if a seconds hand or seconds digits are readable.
6:14
